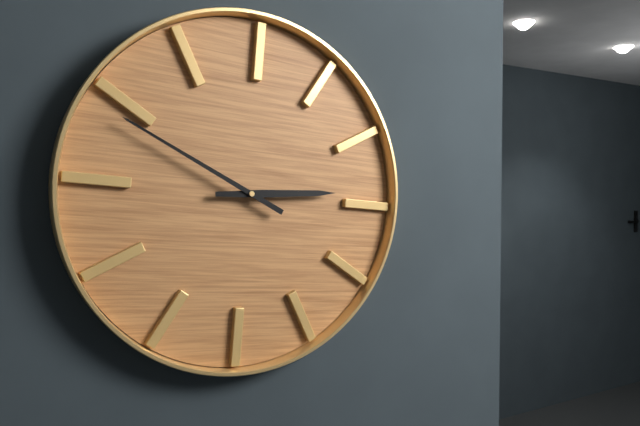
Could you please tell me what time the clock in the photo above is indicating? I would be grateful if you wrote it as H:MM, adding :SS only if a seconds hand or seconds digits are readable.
2:49
